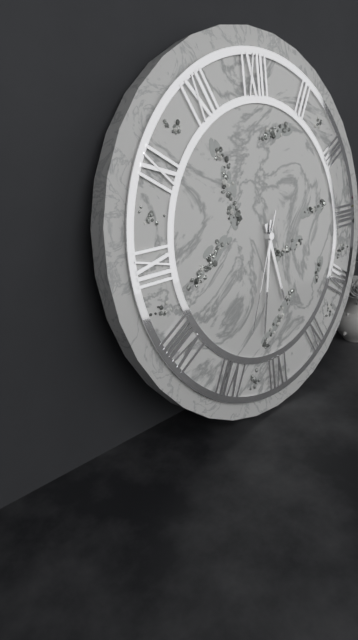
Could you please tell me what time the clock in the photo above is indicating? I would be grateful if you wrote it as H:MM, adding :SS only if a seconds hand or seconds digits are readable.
5:32:34
